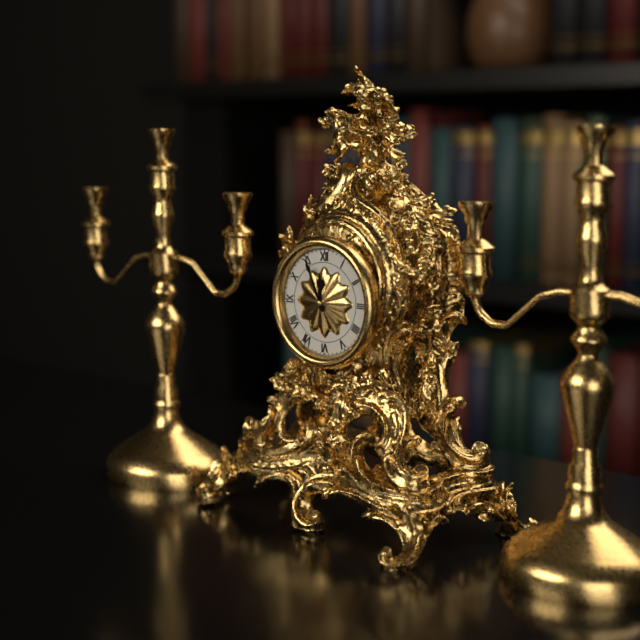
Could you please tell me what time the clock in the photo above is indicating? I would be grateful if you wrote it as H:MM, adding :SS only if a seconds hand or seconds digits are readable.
11:56
